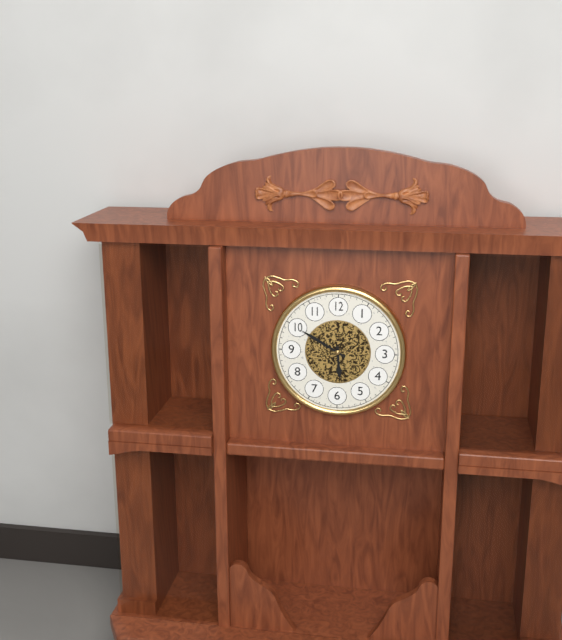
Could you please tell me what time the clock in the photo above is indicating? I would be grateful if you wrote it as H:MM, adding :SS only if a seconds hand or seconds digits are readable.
5:50
